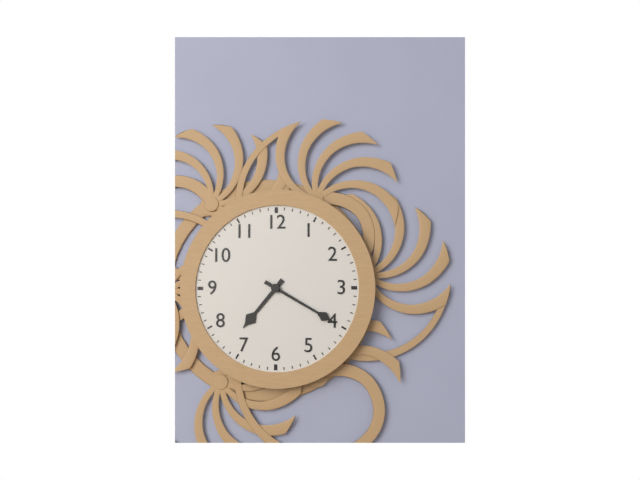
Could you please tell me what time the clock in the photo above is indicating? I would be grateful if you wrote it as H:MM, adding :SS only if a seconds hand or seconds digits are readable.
7:20
